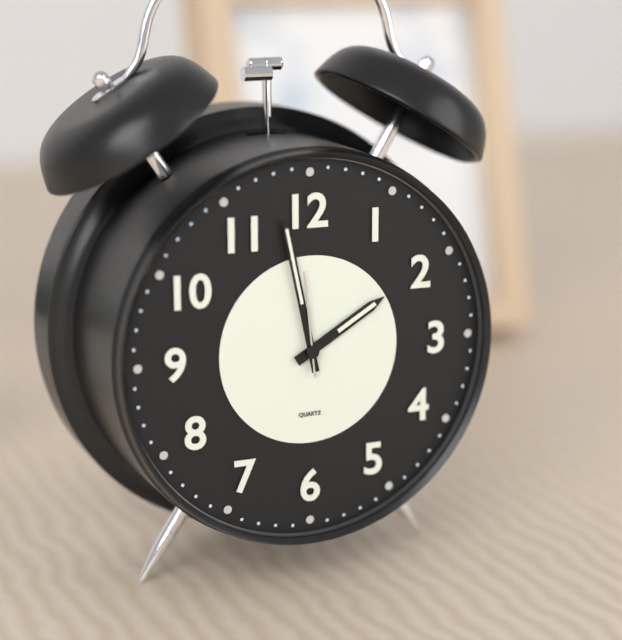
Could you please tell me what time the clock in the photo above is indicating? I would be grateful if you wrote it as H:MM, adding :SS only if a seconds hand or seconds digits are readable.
1:58:59
